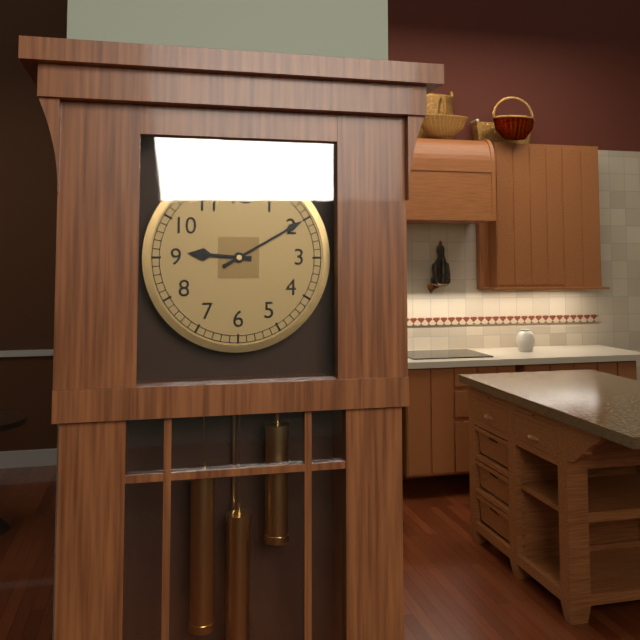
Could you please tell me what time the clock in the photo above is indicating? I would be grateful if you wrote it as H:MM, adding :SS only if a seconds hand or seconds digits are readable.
9:10
